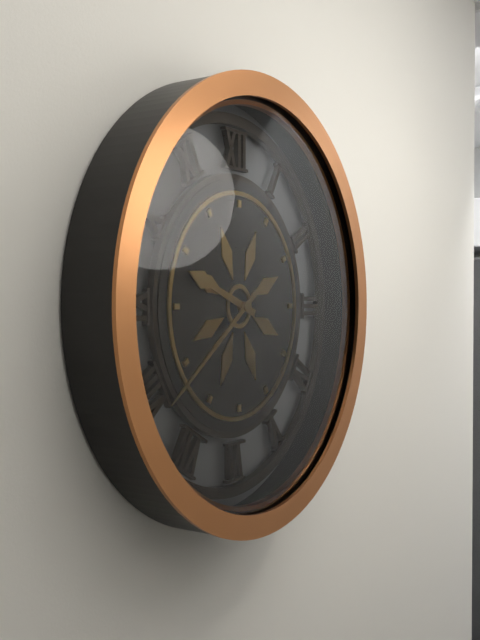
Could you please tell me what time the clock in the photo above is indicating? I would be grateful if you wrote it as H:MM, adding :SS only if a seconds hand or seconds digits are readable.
9:39
